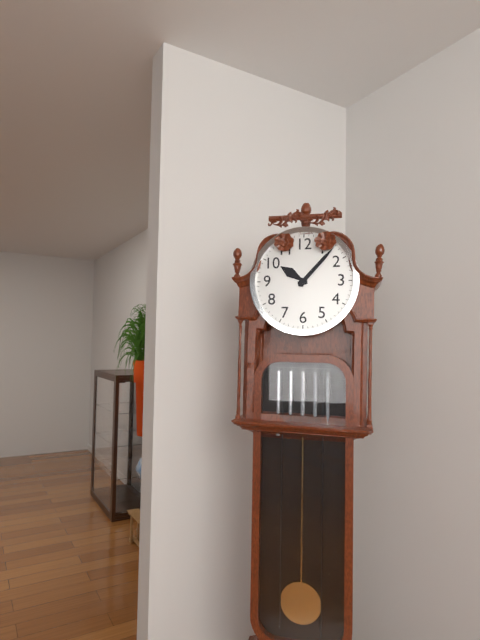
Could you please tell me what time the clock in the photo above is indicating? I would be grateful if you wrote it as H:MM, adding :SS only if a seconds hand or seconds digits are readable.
10:07
